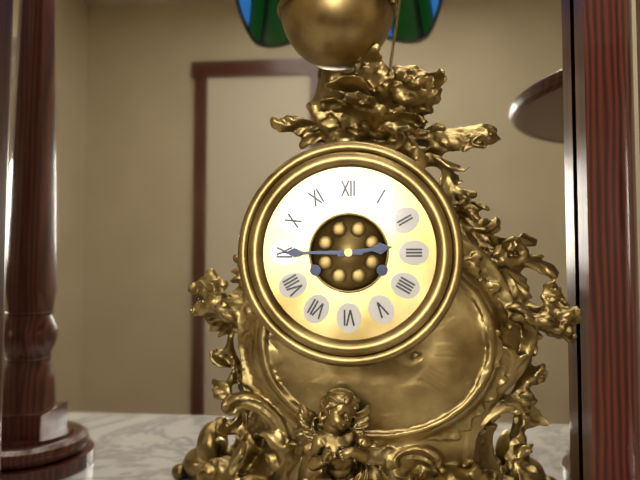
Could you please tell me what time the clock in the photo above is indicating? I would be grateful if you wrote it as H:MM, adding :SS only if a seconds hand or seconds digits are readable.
2:45
